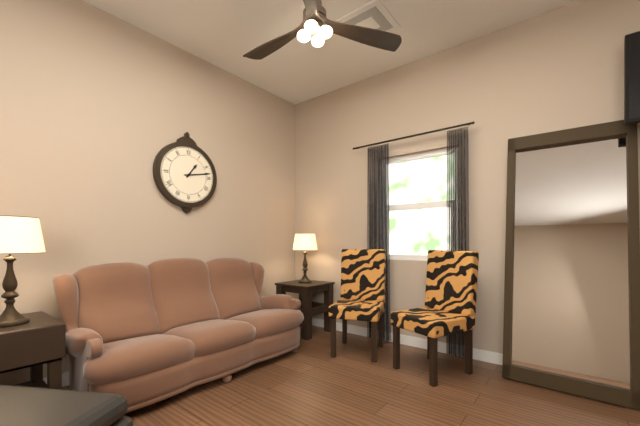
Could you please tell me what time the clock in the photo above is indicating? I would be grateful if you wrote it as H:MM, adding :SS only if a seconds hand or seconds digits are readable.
1:13
